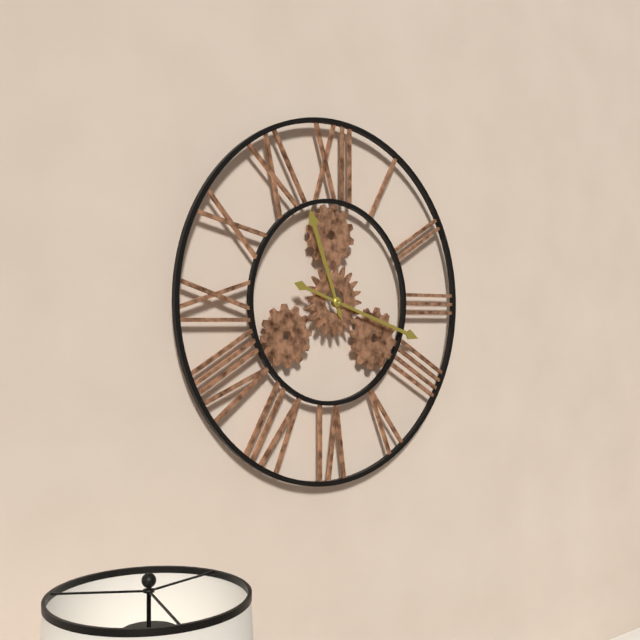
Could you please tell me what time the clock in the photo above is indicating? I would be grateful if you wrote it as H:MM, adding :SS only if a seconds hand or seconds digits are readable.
11:18
